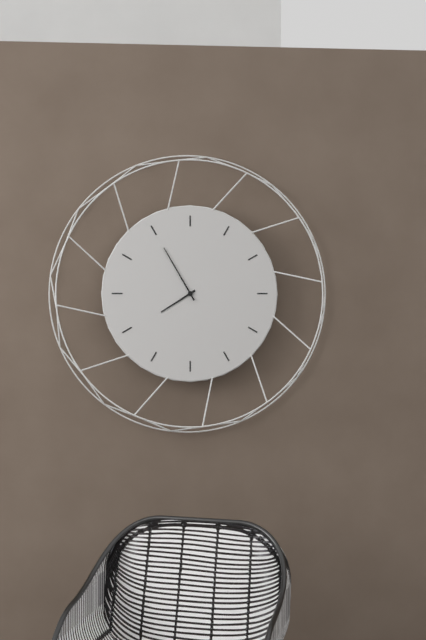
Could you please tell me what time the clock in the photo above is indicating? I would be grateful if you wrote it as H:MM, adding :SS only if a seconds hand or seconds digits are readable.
7:55
